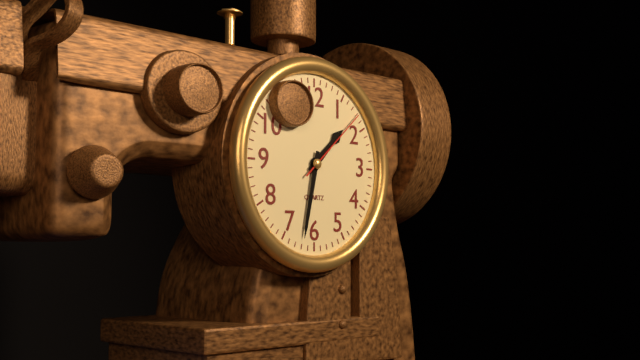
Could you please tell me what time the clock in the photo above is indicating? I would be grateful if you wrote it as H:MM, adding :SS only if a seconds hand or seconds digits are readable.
1:32:08
